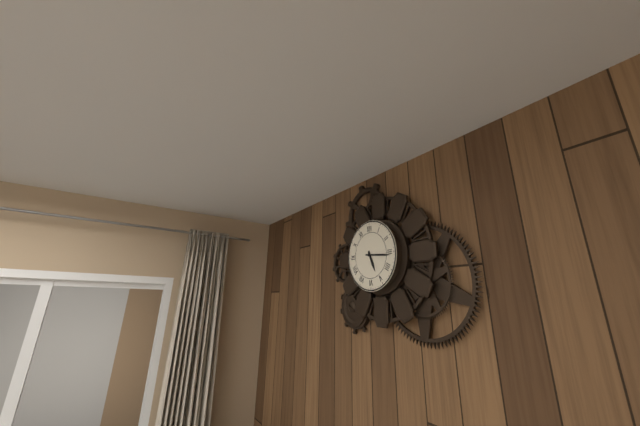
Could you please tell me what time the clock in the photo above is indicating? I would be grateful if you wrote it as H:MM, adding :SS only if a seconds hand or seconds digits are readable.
5:16
